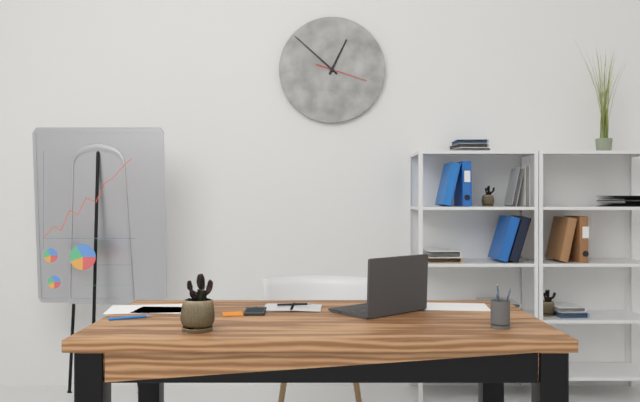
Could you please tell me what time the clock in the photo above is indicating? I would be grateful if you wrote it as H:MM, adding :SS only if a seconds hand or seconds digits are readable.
12:52
